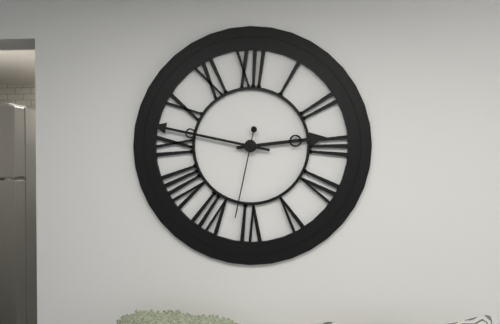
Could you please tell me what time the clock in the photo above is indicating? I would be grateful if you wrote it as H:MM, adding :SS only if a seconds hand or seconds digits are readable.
2:47:32
